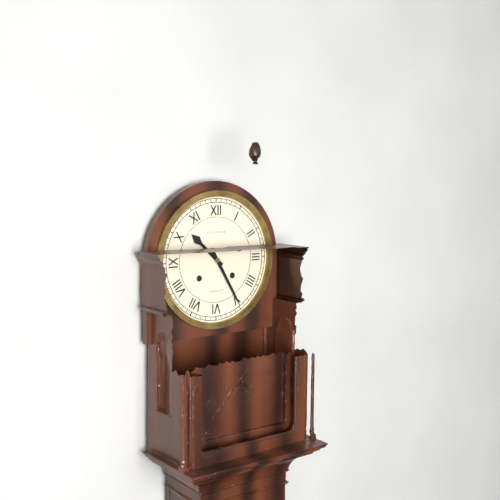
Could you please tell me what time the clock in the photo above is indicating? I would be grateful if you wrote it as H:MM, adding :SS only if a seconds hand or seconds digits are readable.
10:25
